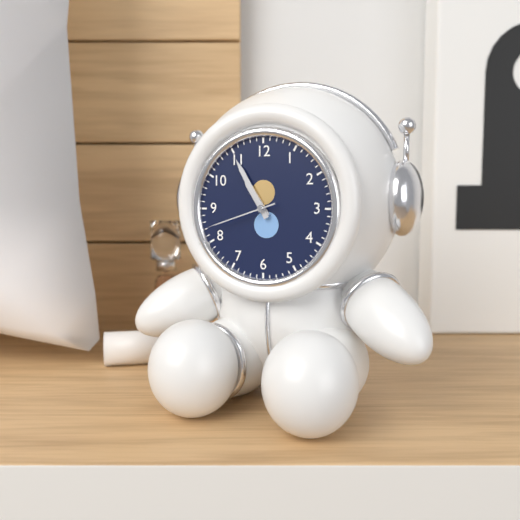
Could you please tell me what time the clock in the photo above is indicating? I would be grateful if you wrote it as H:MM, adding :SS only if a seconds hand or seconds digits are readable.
10:55:42
